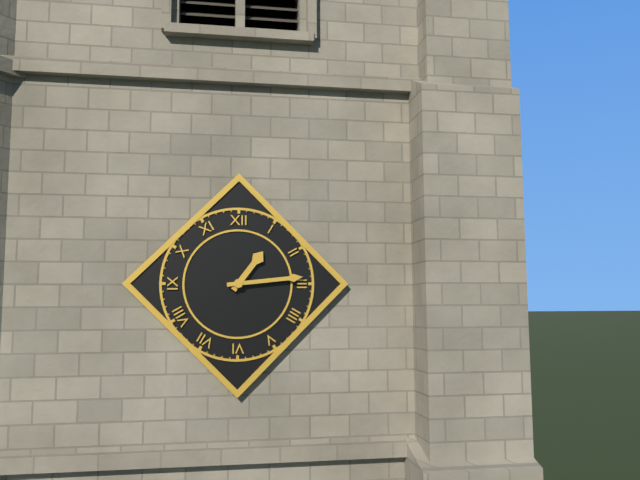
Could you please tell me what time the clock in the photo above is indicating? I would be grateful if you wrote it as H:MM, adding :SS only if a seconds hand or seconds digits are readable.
1:14
